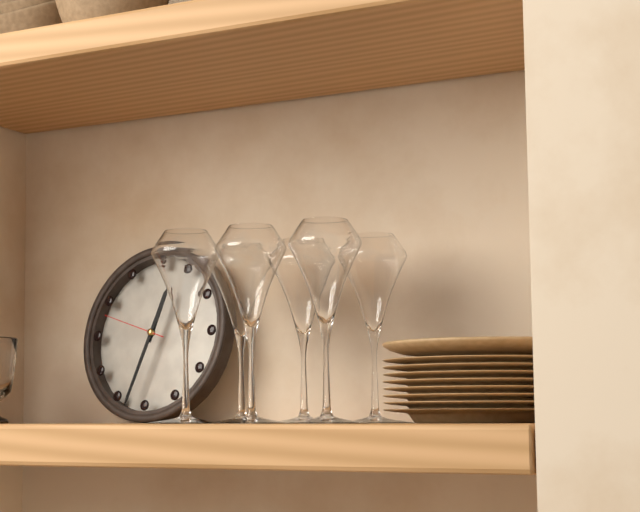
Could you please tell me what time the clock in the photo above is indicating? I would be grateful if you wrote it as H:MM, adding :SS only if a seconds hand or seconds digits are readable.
12:33:48
